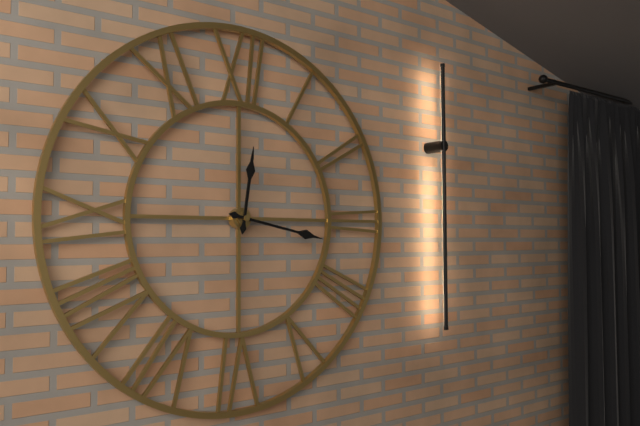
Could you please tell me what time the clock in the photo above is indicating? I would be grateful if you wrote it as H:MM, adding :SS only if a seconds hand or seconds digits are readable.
12:17
